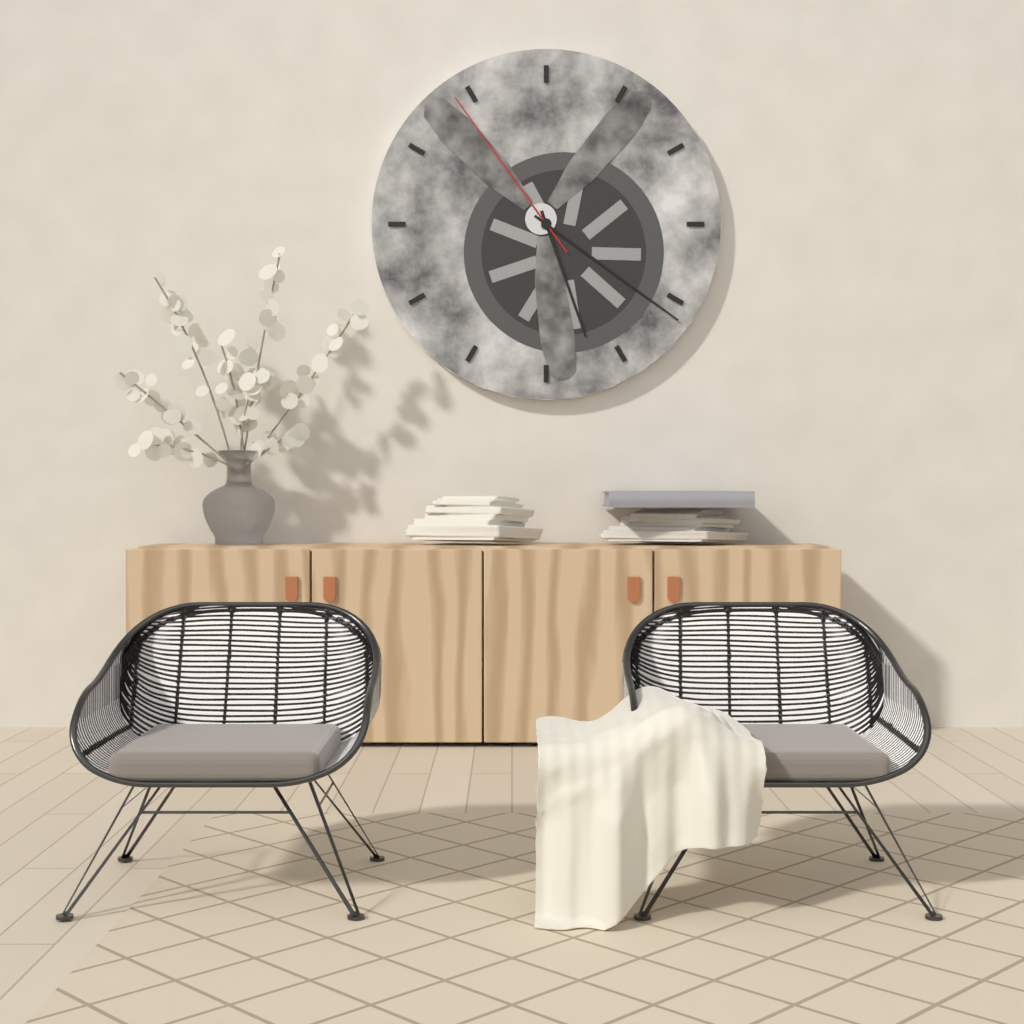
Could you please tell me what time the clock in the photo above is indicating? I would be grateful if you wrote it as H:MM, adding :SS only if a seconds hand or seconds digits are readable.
5:21:54
